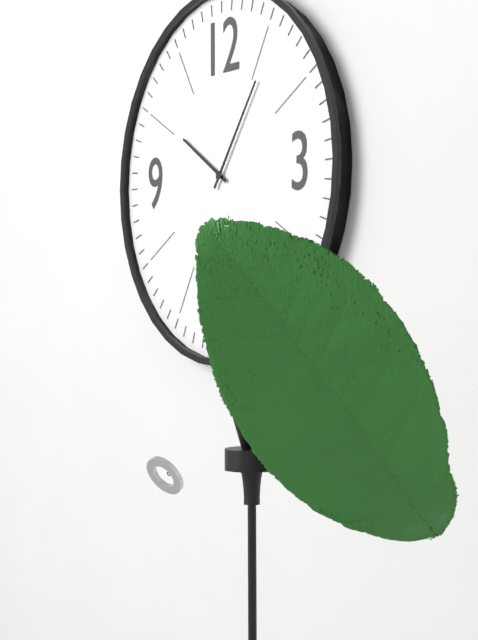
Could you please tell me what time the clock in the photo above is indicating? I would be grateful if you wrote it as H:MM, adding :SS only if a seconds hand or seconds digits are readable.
10:06
